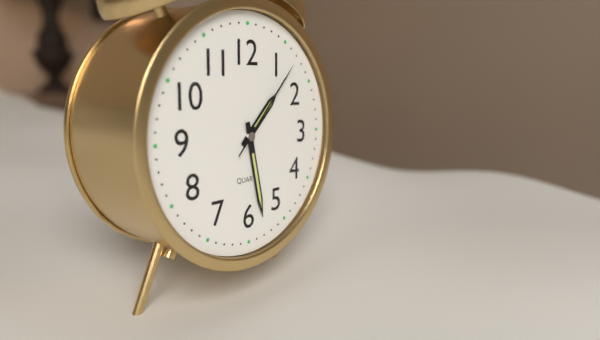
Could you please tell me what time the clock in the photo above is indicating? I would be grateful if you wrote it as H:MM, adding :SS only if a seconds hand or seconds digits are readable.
1:28:07
